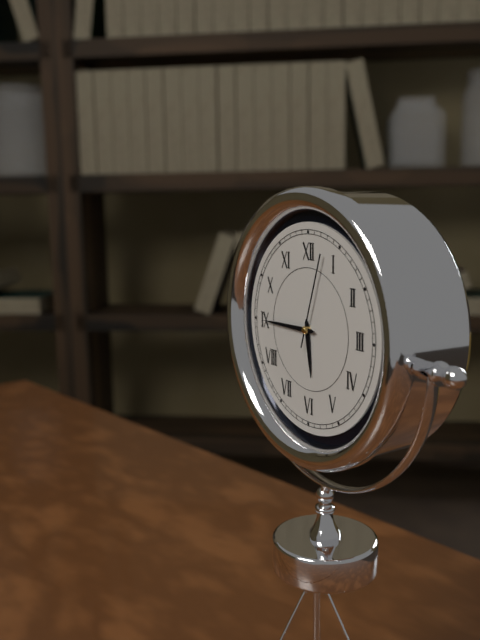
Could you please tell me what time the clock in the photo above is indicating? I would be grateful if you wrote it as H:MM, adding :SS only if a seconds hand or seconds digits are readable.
5:45:03
